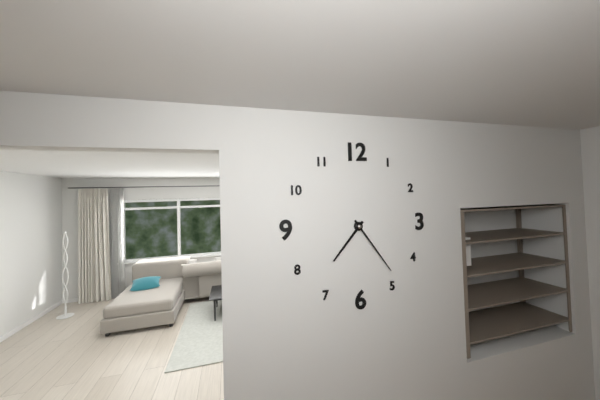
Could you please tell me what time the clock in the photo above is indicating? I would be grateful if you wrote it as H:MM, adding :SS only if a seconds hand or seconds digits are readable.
7:24
